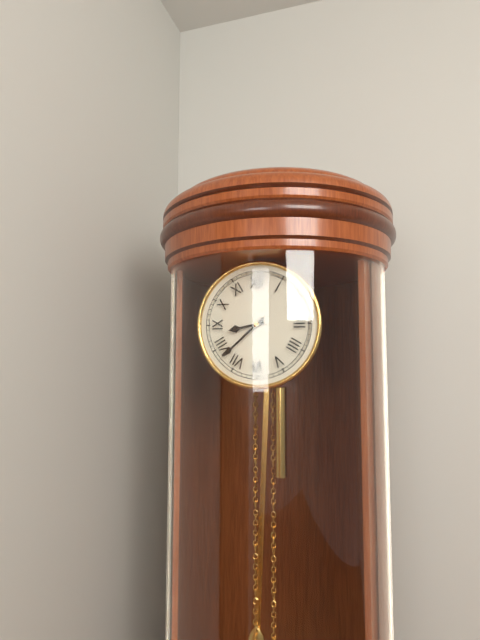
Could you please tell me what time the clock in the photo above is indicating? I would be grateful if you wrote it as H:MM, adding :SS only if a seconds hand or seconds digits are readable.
8:38
